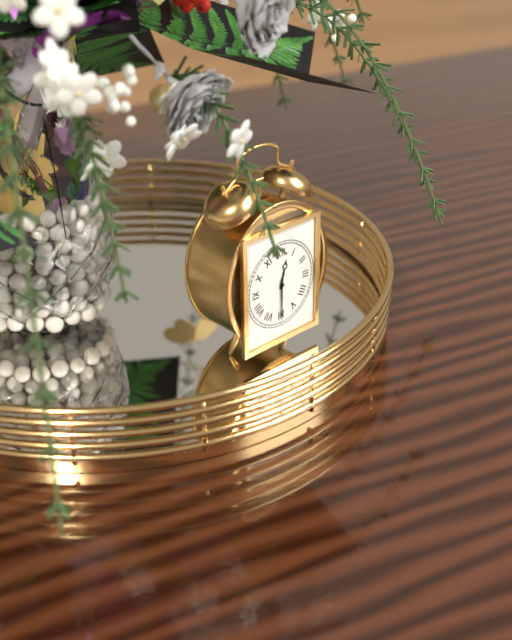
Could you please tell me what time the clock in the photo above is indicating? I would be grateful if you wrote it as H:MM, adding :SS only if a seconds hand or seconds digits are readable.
12:30
